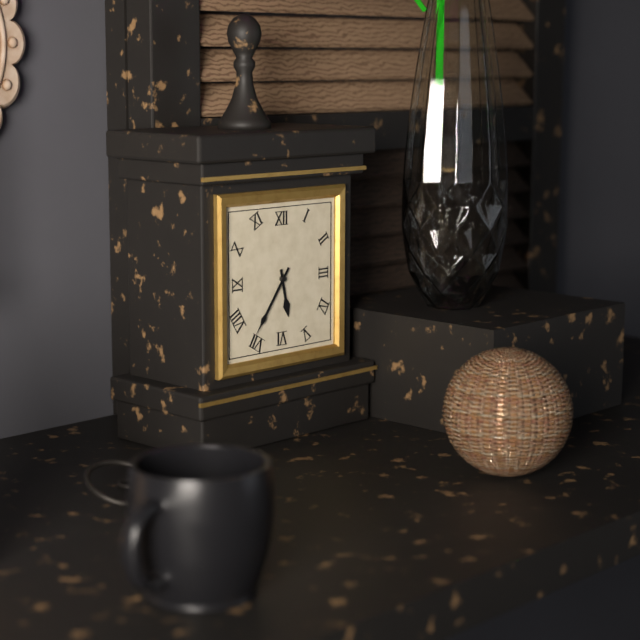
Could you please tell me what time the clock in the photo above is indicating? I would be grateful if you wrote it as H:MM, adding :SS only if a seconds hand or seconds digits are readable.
5:36
